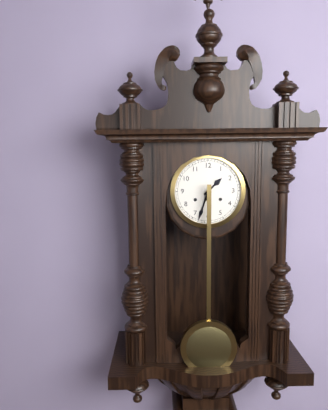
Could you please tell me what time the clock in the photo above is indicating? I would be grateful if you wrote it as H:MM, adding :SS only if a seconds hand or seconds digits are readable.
1:33
